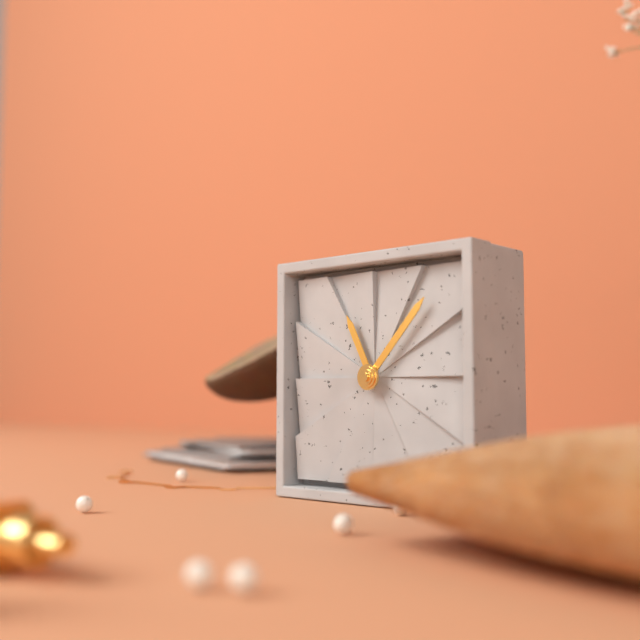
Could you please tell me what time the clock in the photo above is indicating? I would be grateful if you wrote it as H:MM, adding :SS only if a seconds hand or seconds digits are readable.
11:07
